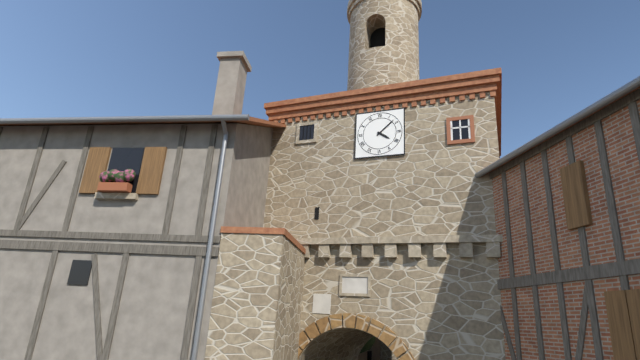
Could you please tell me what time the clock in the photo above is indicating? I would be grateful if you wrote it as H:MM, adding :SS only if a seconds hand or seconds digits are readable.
4:08
